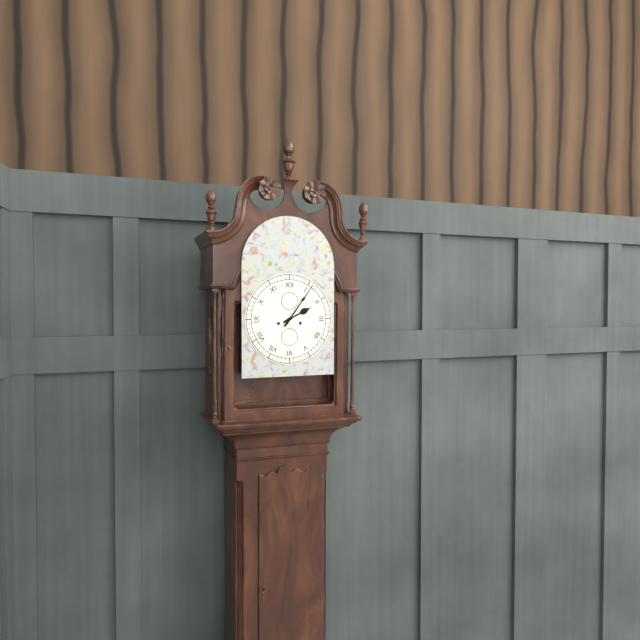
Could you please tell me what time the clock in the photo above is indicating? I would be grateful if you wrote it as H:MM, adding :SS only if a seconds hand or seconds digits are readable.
2:06
